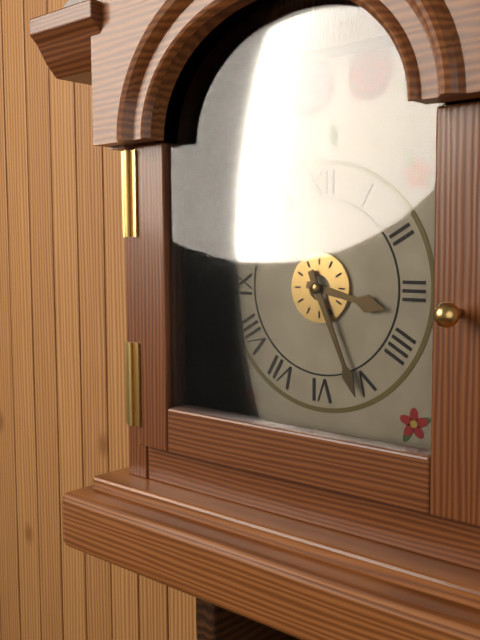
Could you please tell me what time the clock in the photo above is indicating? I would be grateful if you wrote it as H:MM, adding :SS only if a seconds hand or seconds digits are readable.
3:26
